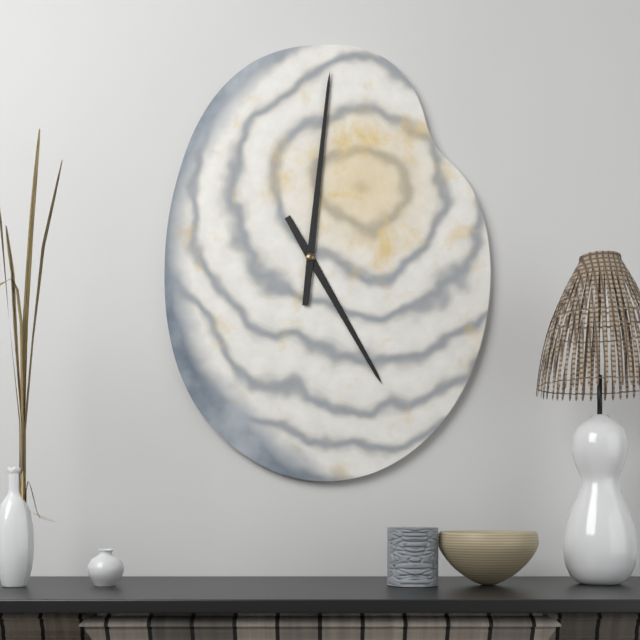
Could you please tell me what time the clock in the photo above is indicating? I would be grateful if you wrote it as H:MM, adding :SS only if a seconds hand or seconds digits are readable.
5:01
